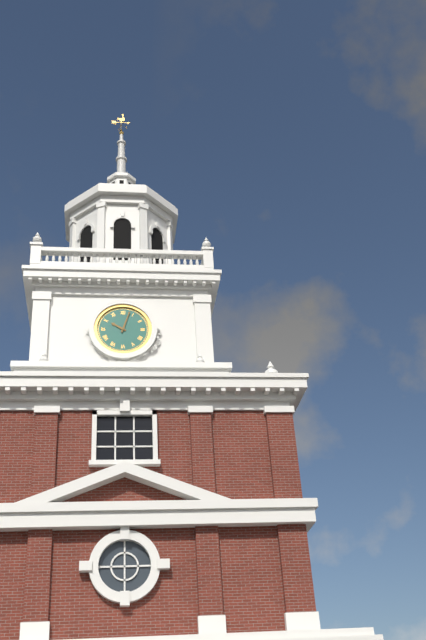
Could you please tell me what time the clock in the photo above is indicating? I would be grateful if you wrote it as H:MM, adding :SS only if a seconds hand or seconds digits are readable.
10:03
